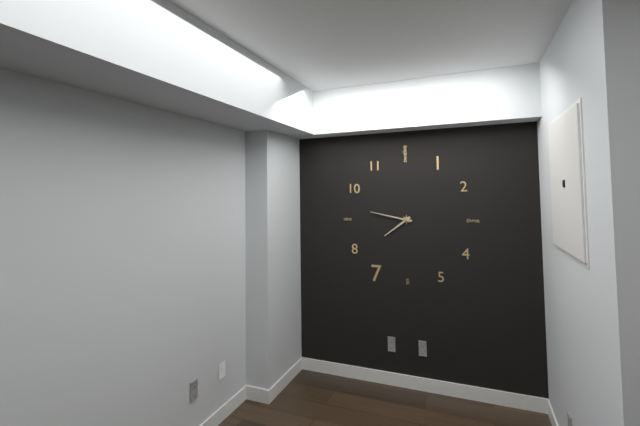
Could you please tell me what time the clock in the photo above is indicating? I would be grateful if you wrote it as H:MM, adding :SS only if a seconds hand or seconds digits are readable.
7:47
